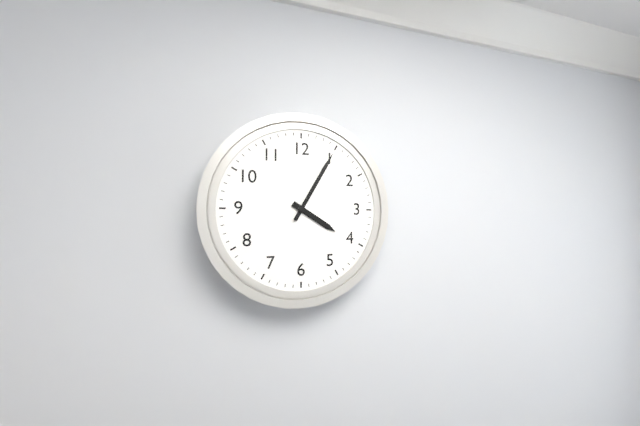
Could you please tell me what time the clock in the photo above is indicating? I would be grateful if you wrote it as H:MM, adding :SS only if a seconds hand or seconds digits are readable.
4:05
